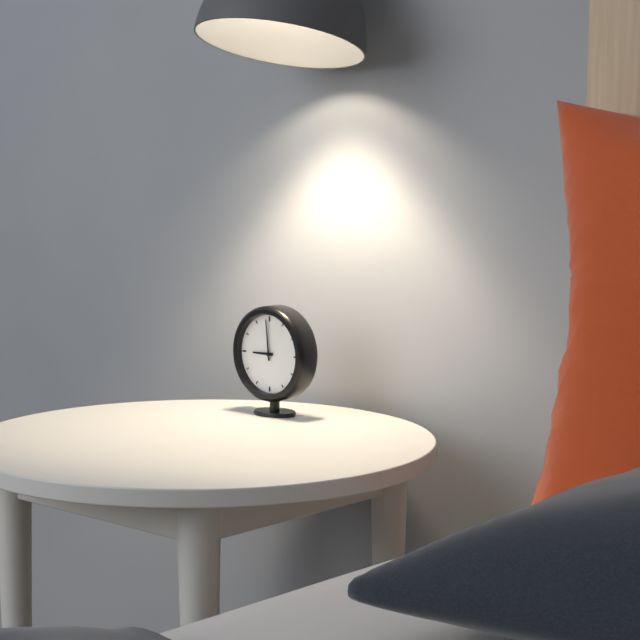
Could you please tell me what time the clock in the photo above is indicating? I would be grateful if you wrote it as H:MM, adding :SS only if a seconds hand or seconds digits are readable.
8:59
